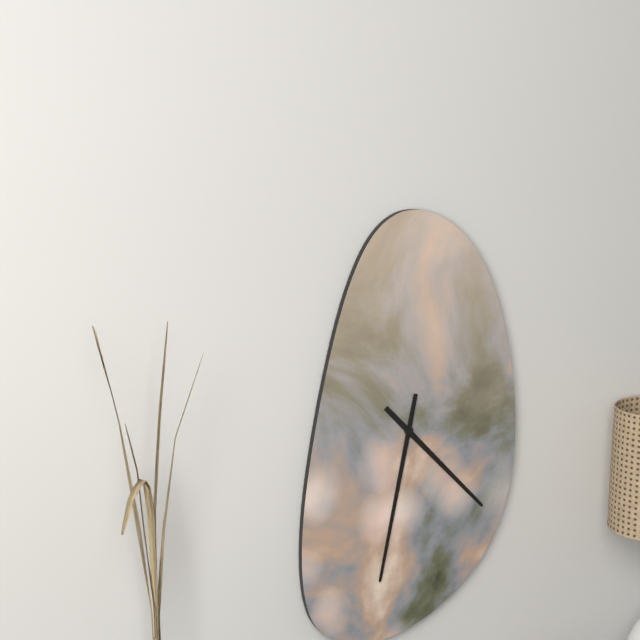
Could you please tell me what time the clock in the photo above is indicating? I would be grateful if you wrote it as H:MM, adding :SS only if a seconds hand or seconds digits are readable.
4:32
